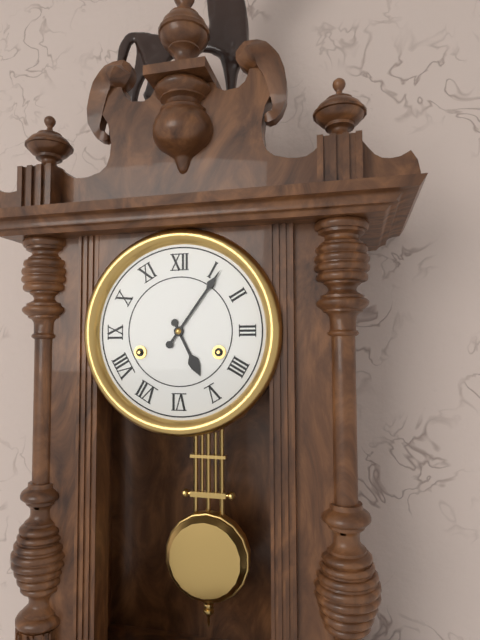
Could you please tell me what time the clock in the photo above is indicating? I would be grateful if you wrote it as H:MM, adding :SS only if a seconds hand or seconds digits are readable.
5:06
